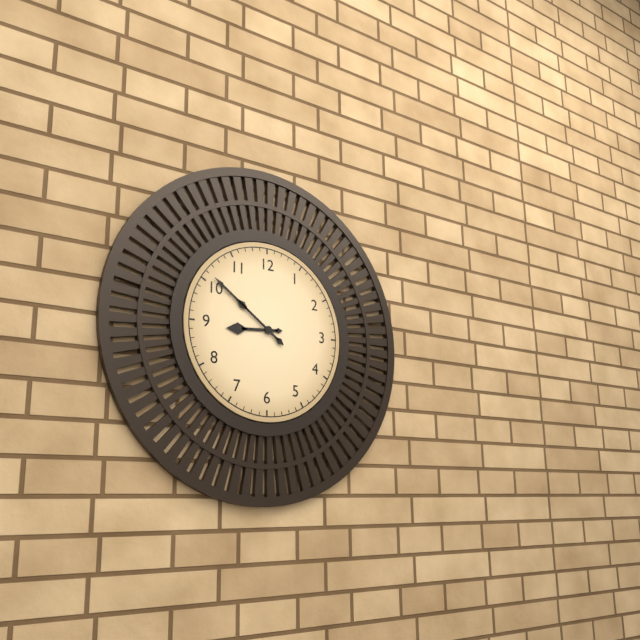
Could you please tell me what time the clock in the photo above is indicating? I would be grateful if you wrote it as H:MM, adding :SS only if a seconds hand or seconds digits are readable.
8:51
